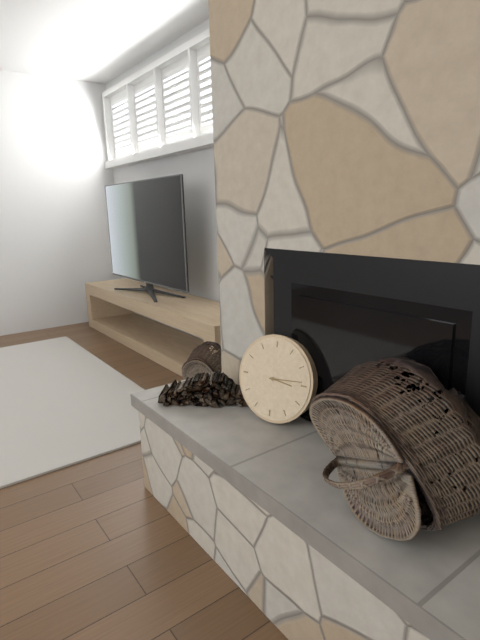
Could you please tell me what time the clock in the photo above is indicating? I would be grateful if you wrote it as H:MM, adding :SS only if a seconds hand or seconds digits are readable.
3:14
